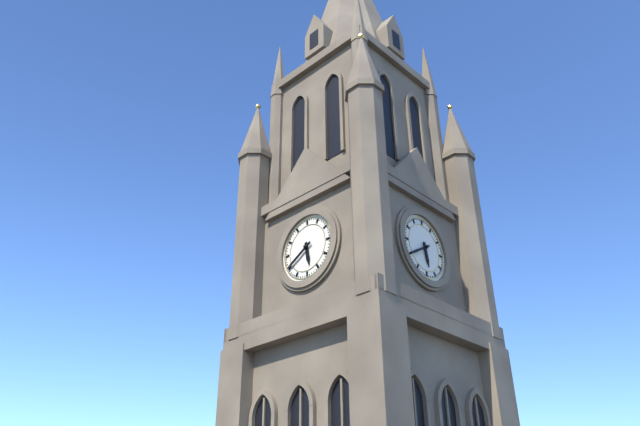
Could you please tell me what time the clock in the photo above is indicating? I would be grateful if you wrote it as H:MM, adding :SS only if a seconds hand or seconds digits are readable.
5:40
